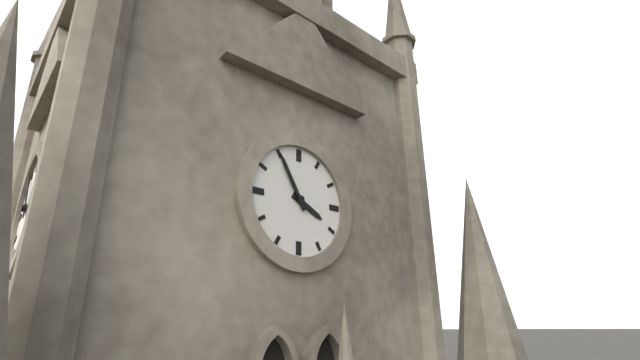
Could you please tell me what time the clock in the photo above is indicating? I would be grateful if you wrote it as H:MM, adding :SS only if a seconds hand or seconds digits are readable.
3:55
